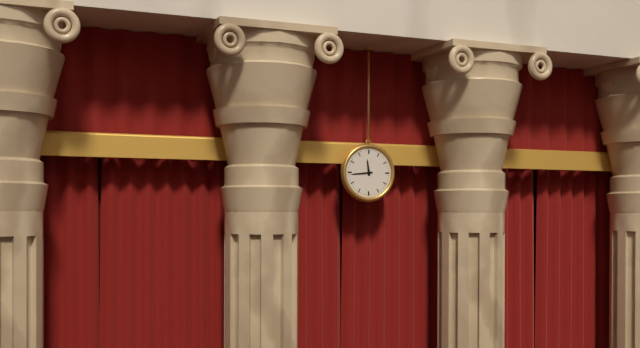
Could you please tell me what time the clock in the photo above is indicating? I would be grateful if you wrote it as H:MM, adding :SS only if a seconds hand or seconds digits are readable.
11:44
